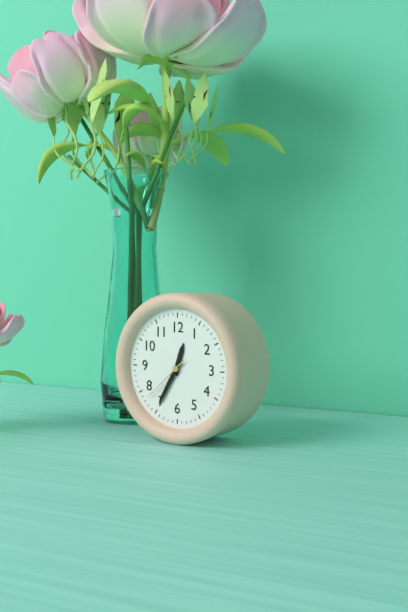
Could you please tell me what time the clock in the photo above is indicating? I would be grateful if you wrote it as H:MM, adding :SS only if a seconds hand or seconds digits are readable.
12:35:38
